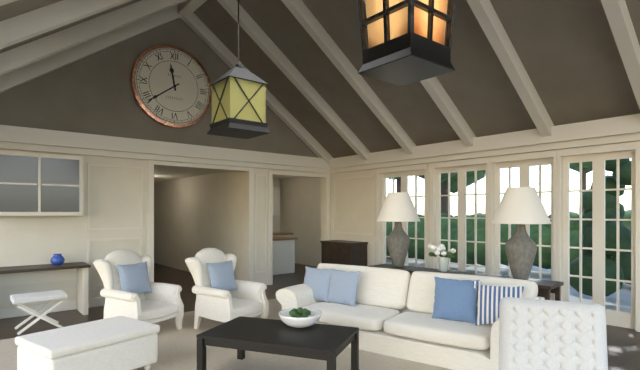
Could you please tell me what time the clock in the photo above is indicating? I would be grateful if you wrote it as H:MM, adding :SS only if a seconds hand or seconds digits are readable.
11:39
